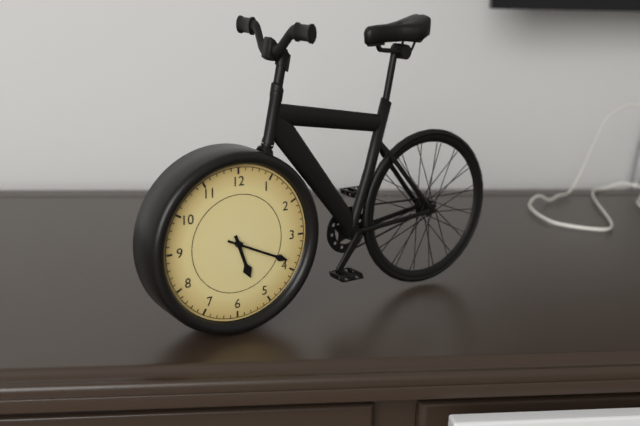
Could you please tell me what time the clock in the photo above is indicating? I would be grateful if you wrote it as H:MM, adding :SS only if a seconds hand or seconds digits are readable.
5:19
